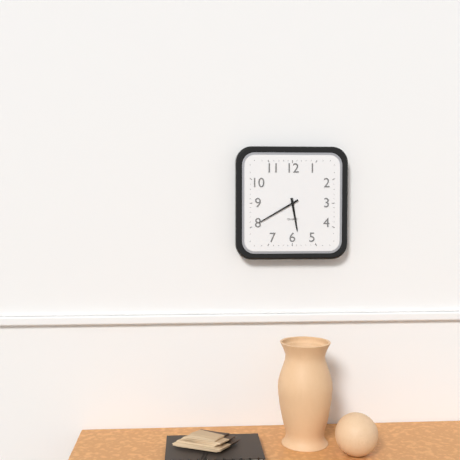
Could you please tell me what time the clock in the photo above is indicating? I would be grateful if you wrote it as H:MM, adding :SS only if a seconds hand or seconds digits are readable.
5:40
